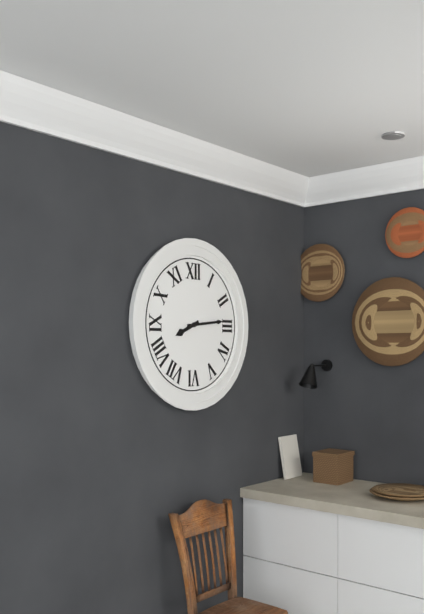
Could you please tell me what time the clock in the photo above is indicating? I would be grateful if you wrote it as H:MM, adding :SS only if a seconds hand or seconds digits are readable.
8:14
